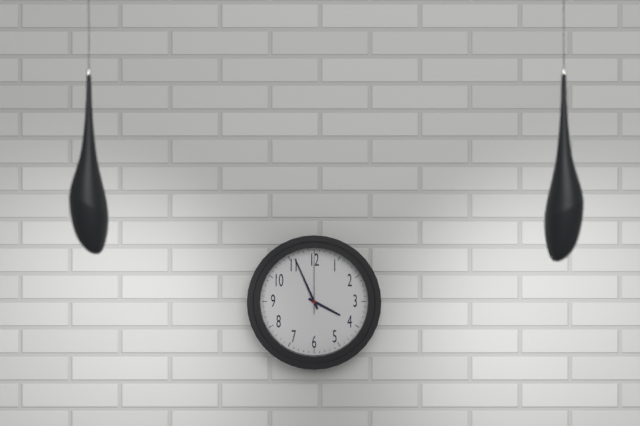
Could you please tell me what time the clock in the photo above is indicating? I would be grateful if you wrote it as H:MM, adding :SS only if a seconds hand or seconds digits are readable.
3:56:00
